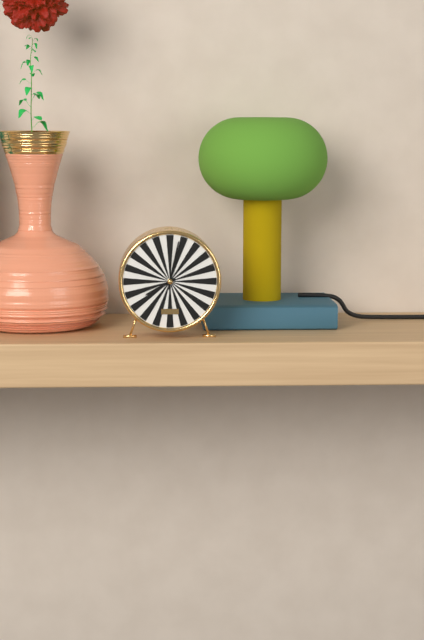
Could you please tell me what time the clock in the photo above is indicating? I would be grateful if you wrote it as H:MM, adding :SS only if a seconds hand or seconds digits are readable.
8:02
